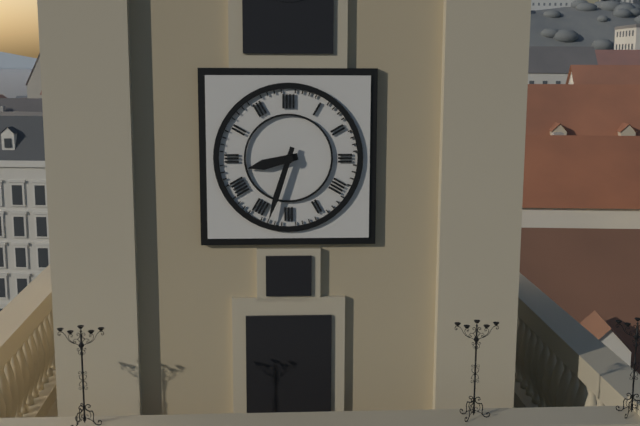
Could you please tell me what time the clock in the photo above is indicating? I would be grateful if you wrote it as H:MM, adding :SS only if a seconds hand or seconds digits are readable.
8:33
